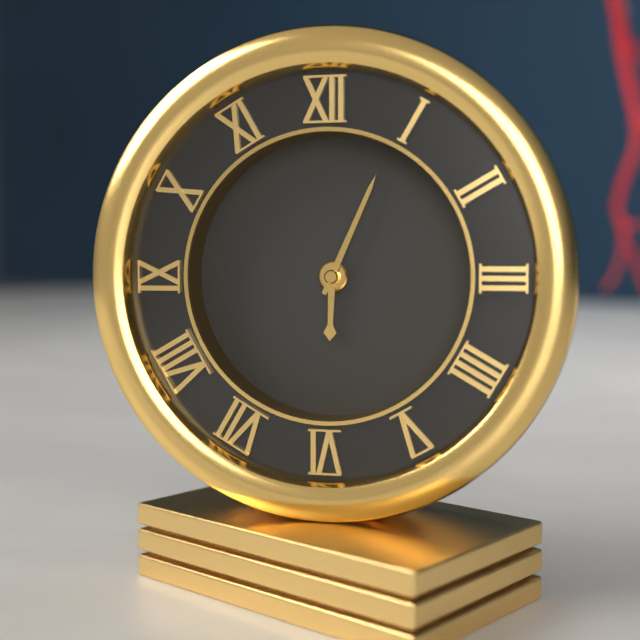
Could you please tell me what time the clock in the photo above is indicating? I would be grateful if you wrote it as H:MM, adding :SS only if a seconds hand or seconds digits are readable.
6:04
